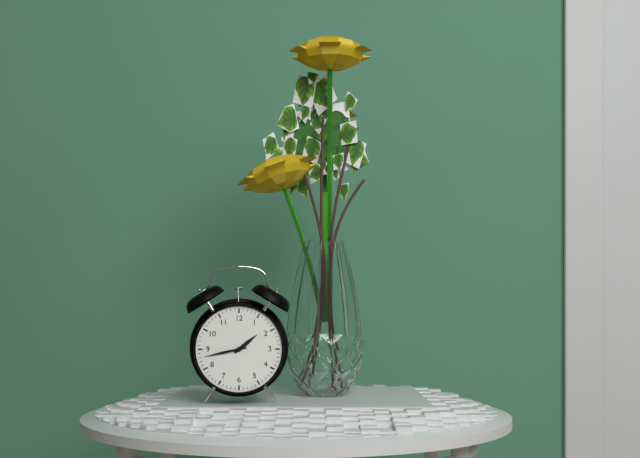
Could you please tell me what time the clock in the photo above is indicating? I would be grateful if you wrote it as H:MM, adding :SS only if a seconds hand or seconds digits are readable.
1:43
